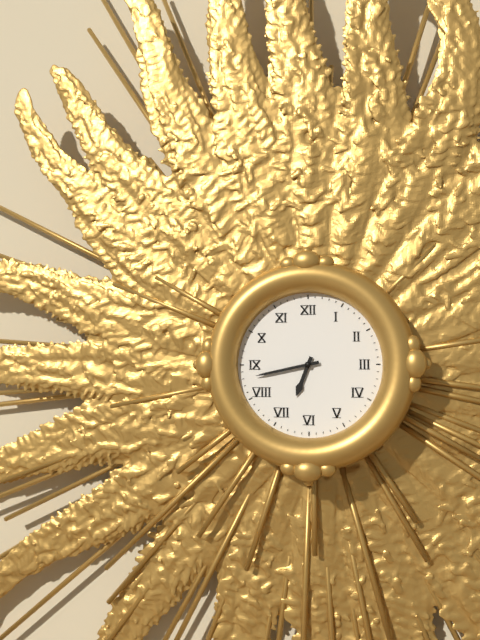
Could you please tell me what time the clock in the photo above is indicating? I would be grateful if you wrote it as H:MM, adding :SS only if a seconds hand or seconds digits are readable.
6:43
